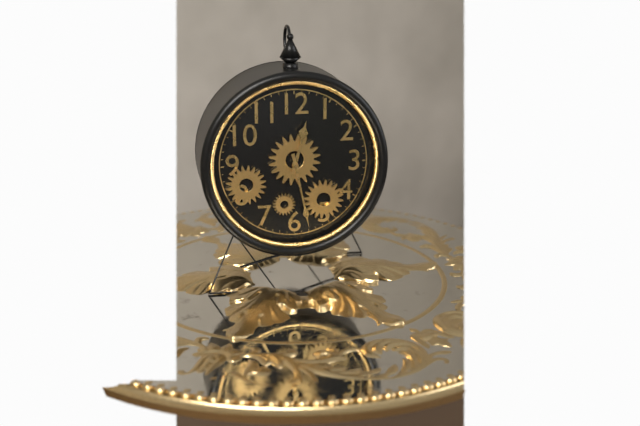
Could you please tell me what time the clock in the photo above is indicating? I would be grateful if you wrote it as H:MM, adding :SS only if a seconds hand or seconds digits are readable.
12:28
